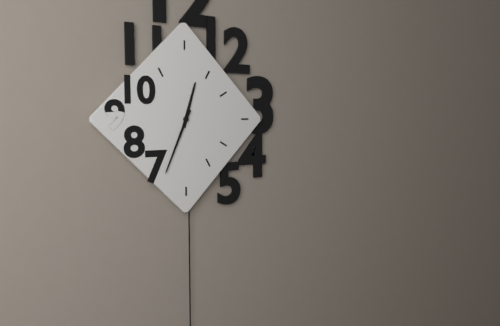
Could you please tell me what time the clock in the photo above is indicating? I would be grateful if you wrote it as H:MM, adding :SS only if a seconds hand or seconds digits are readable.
12:34
